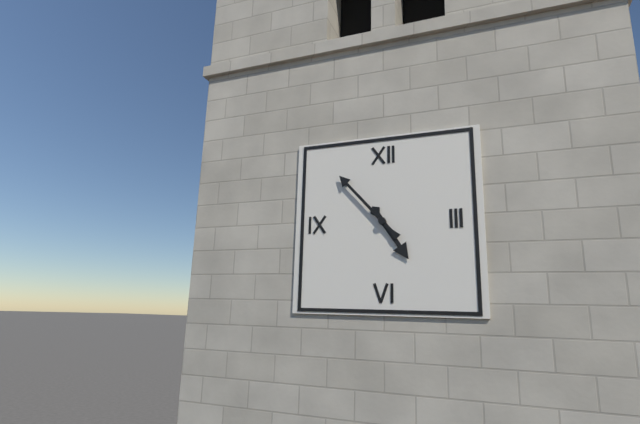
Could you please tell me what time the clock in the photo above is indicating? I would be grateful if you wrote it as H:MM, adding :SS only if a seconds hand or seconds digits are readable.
4:53
